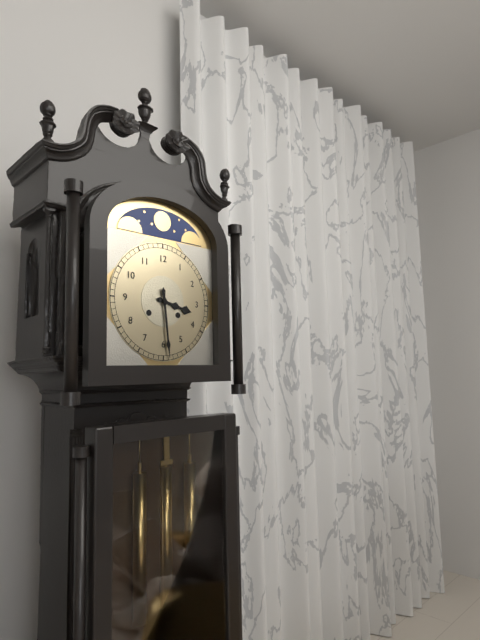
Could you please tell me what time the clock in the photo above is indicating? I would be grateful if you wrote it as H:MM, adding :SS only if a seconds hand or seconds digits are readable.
3:29
